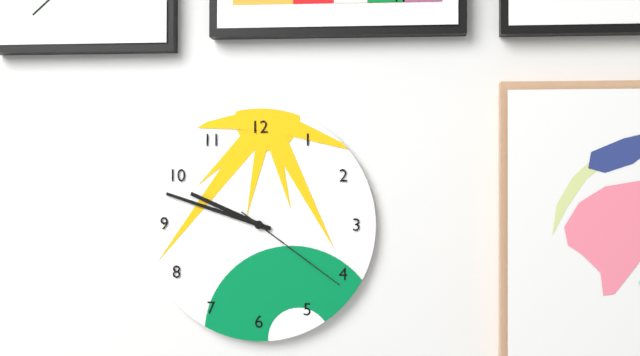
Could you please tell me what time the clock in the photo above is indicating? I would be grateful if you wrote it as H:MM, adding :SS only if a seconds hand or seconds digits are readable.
9:48:21
